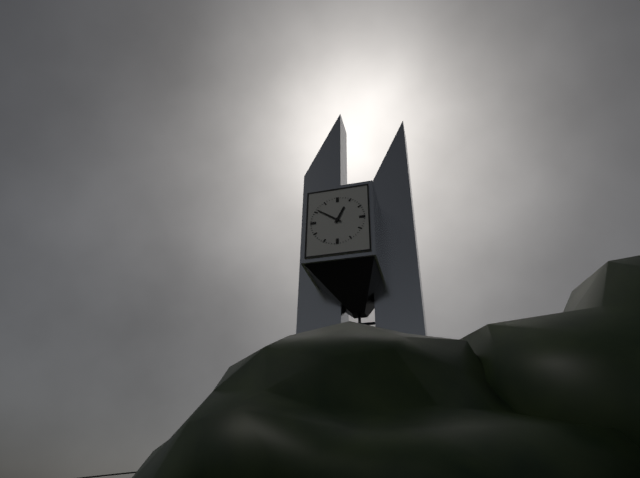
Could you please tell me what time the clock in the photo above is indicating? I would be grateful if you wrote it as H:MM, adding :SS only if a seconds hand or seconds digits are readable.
12:51
